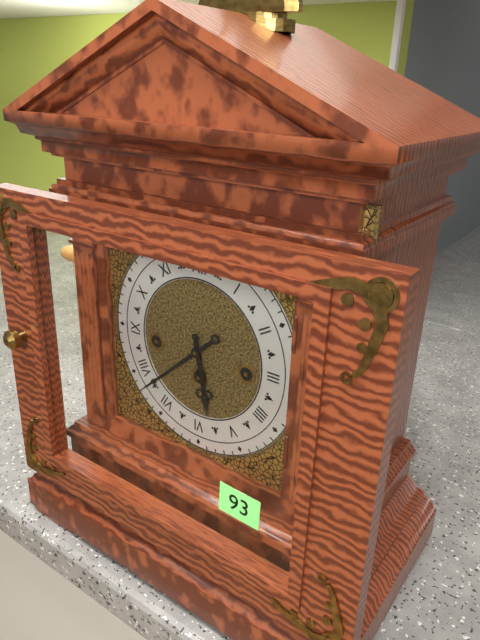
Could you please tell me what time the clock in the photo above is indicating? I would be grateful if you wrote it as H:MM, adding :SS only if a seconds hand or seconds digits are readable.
5:38
